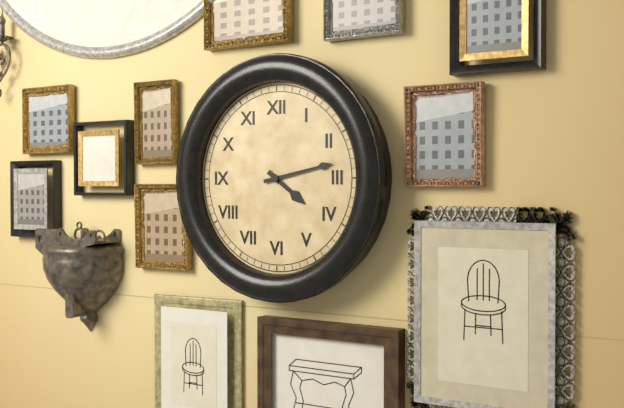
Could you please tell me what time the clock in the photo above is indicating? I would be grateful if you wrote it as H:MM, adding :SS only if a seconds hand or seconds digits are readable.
4:13
